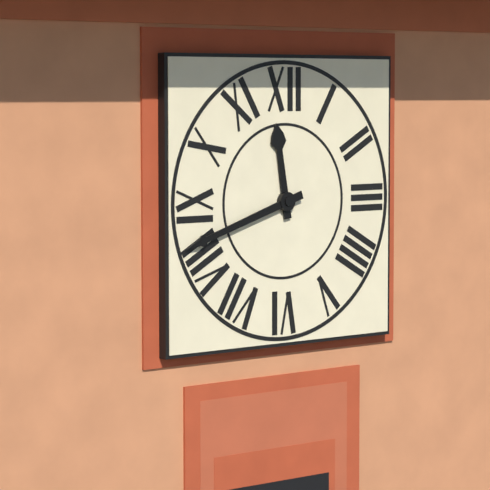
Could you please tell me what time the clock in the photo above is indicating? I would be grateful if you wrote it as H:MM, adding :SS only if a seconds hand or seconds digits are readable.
11:42
